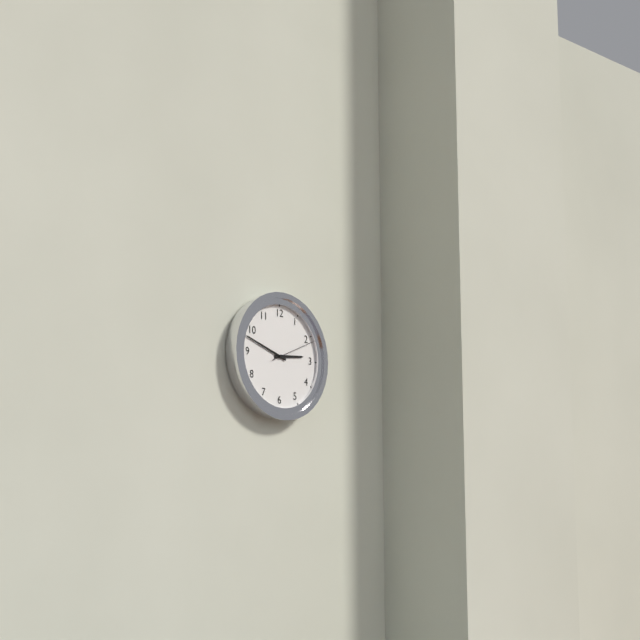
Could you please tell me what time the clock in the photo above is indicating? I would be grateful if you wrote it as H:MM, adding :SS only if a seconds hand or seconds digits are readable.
2:48
